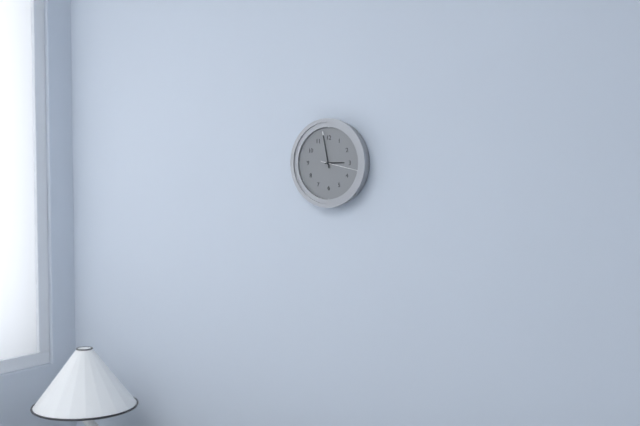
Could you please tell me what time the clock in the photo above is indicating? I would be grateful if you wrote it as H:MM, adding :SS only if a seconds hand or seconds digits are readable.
2:58
